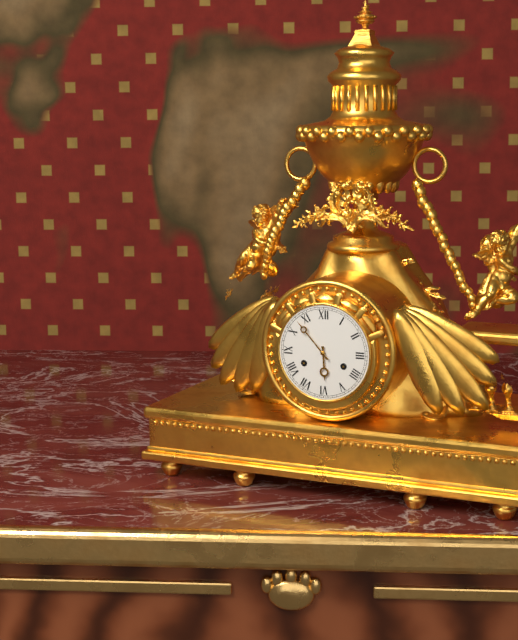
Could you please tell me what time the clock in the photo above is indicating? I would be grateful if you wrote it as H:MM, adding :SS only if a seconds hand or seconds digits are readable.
5:53
